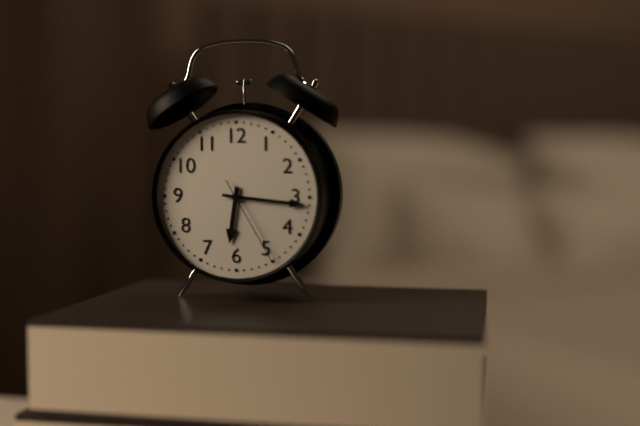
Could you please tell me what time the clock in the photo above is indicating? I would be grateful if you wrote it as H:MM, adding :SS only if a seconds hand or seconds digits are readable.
6:16:25
